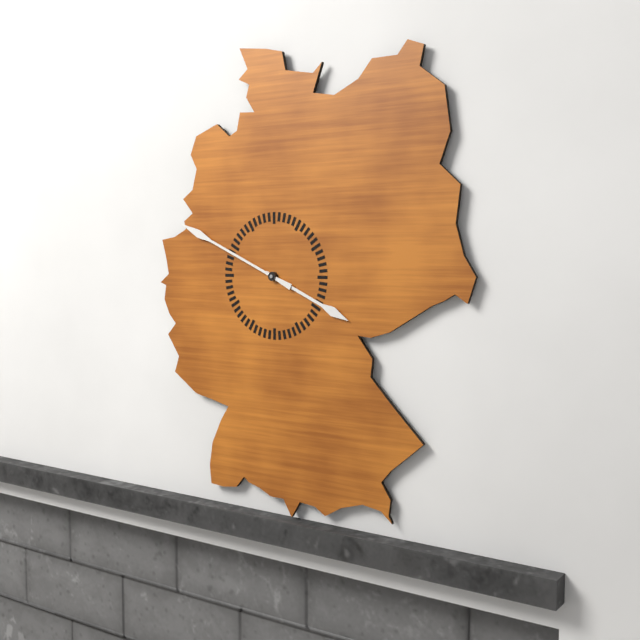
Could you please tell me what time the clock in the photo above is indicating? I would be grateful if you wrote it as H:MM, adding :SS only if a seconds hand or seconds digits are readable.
3:49
